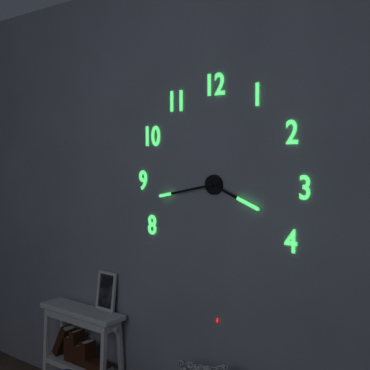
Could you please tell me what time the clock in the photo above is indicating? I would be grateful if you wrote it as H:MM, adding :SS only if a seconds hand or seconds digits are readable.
3:43
